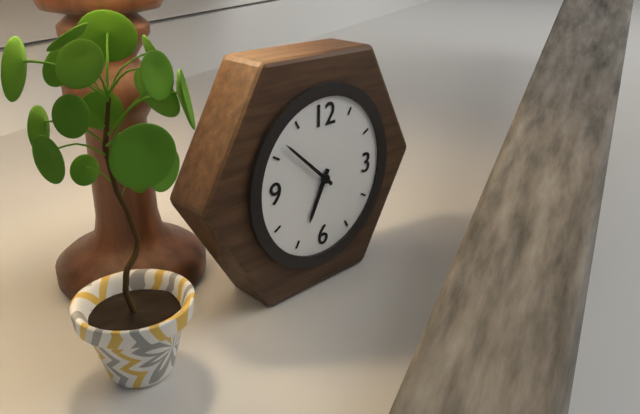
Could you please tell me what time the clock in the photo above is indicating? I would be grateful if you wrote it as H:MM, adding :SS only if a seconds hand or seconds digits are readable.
6:52
